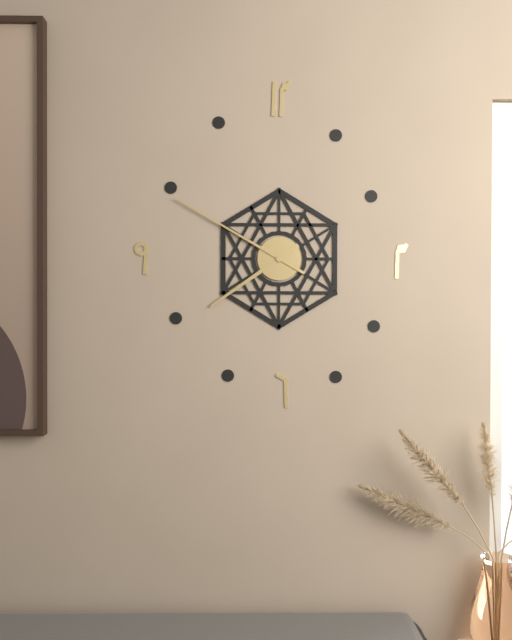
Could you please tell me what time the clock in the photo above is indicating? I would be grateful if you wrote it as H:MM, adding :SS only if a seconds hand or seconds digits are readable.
7:50
